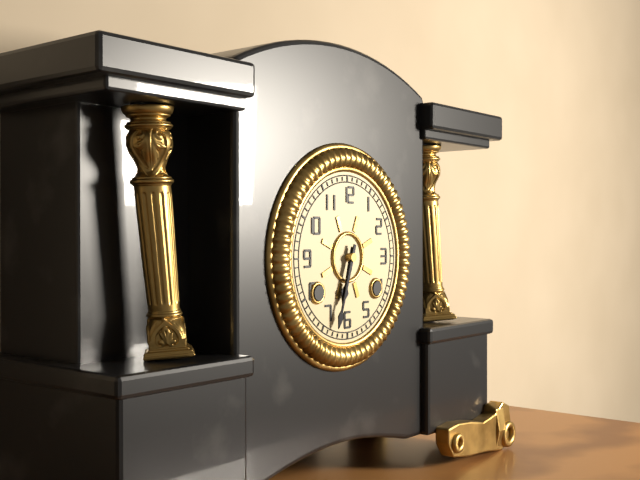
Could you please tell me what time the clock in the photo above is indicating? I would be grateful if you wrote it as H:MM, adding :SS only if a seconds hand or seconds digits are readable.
6:33
